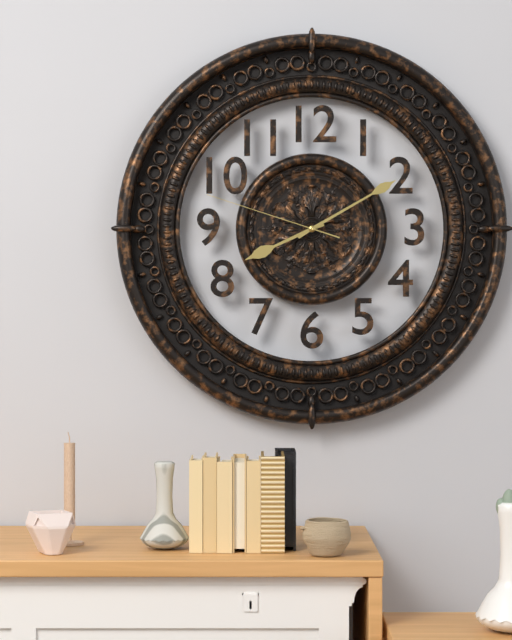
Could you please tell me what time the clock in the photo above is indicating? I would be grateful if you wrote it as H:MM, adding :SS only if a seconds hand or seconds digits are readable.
8:10:48
